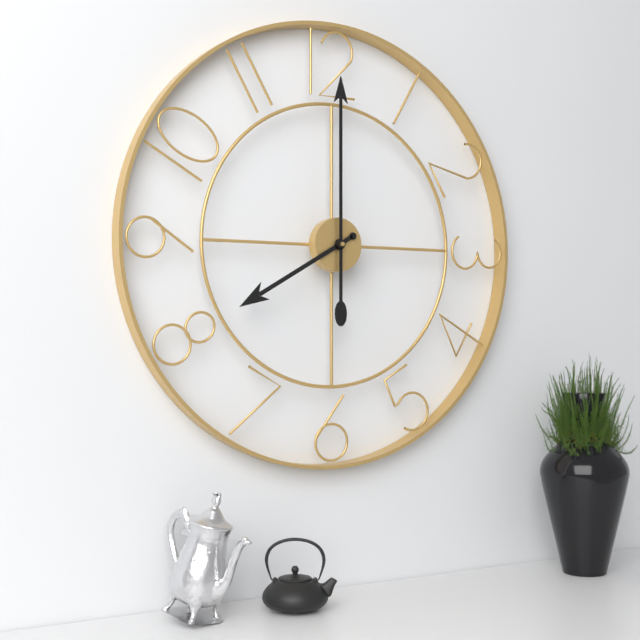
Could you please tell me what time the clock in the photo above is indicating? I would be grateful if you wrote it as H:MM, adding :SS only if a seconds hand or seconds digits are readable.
8:00
